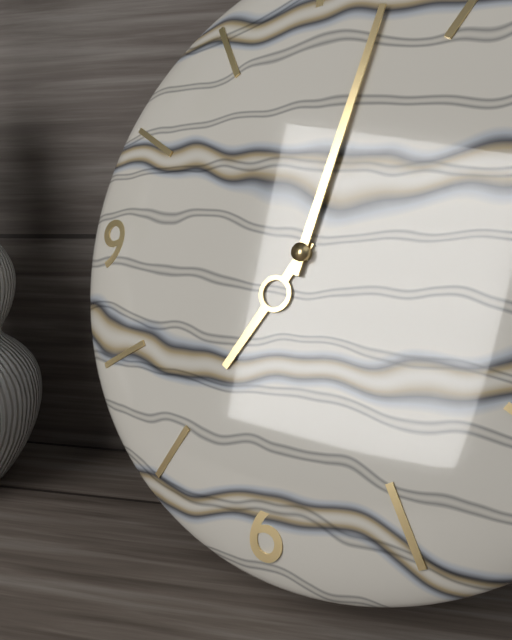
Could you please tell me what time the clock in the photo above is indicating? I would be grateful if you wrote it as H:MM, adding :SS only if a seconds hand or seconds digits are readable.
7:02
